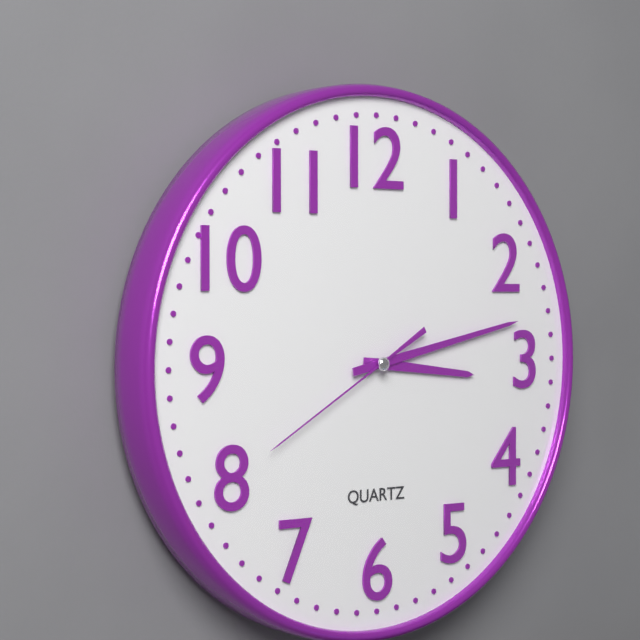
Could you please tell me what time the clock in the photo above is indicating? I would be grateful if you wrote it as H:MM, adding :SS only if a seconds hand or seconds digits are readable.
3:13:40
